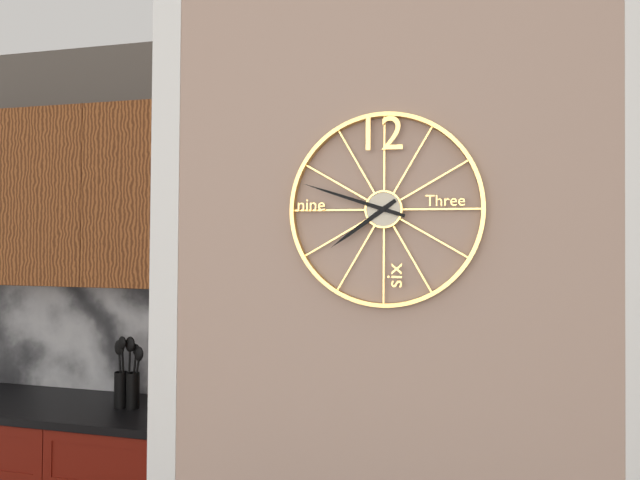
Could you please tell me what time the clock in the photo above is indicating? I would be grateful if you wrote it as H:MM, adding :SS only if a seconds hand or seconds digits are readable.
7:48
